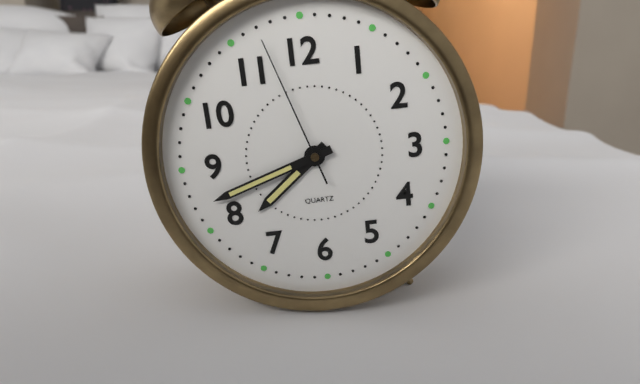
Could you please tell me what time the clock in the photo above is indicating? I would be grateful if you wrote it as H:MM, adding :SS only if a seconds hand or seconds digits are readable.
7:42:57
